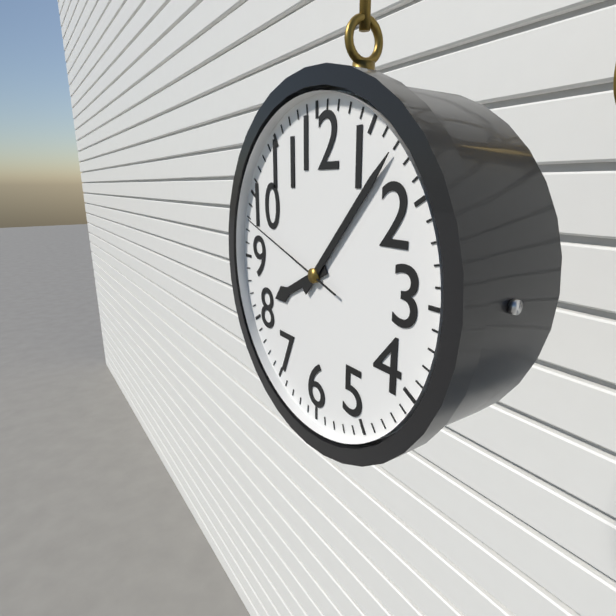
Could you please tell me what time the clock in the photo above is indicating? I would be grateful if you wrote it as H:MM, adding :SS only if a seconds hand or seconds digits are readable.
8:07:48
